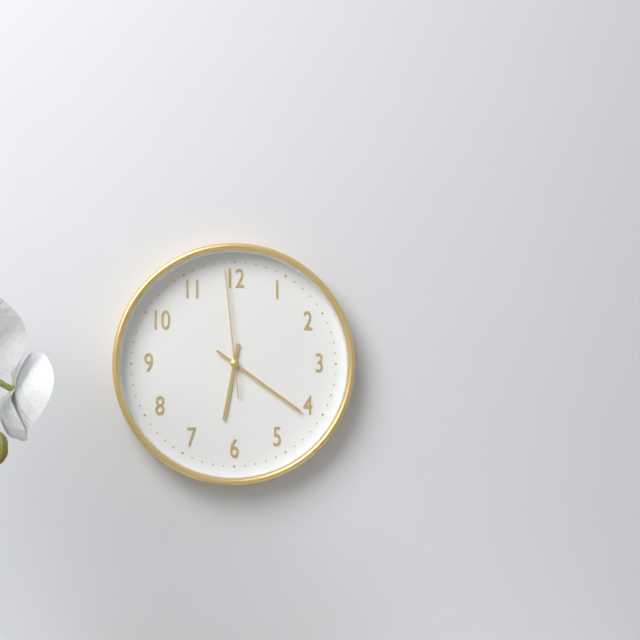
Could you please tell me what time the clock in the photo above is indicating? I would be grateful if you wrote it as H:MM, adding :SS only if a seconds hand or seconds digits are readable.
6:21:59
